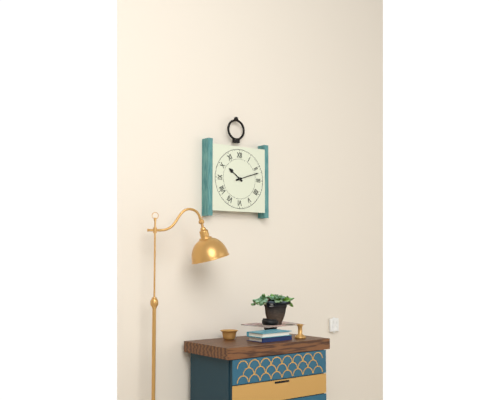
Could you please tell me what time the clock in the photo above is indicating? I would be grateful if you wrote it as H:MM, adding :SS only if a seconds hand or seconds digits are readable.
10:12
